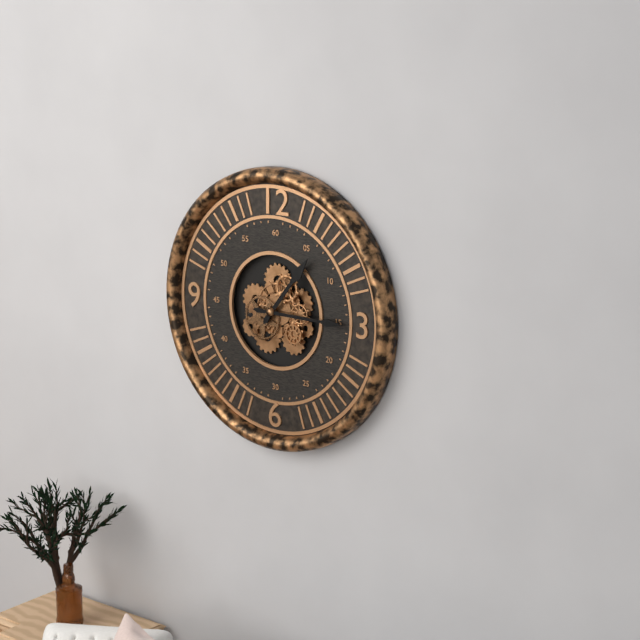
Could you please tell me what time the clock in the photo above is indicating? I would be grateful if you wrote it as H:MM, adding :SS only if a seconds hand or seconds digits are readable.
1:15
